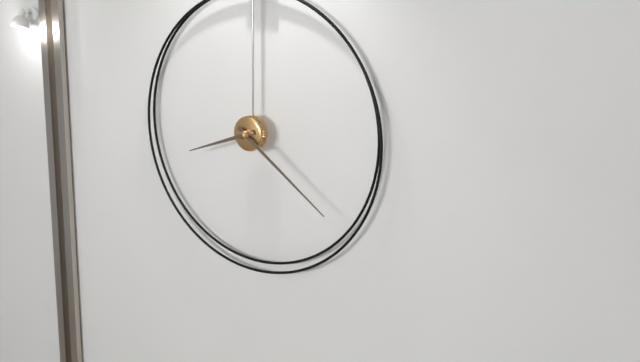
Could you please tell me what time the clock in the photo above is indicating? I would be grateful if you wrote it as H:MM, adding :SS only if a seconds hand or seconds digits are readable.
8:21
